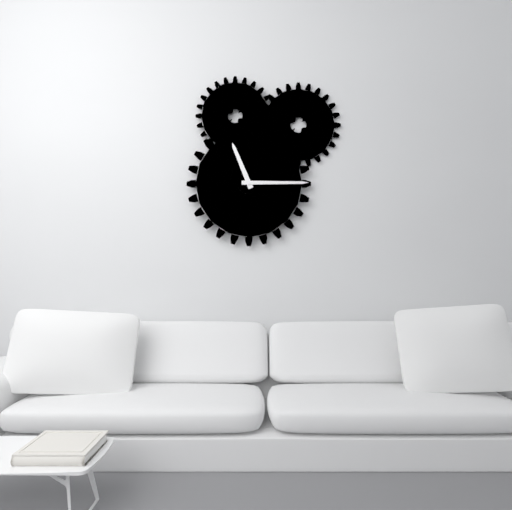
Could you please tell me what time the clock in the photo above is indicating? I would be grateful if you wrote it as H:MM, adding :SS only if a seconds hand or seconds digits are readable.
11:15
